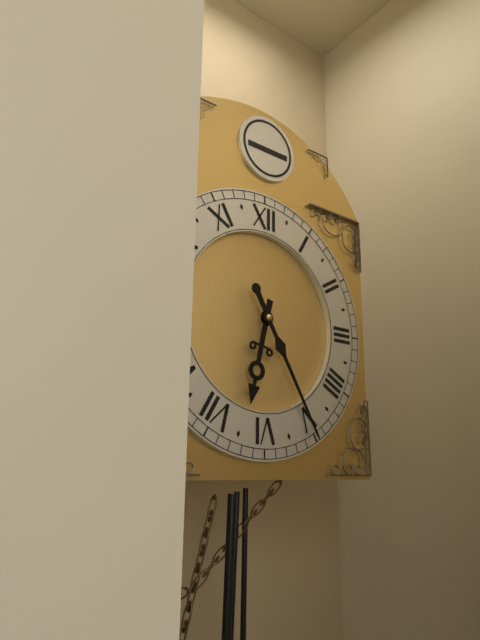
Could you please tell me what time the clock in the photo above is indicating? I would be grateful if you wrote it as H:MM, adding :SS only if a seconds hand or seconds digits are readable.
6:25
